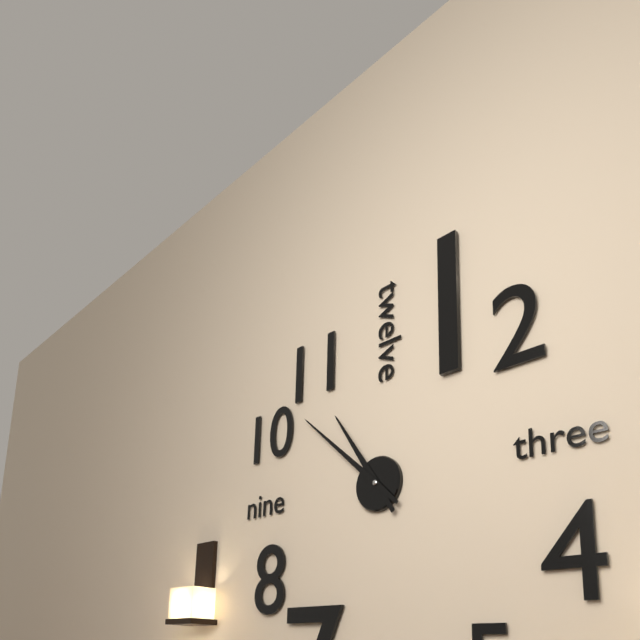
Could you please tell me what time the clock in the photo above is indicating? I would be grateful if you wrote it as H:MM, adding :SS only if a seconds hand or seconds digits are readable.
10:52
